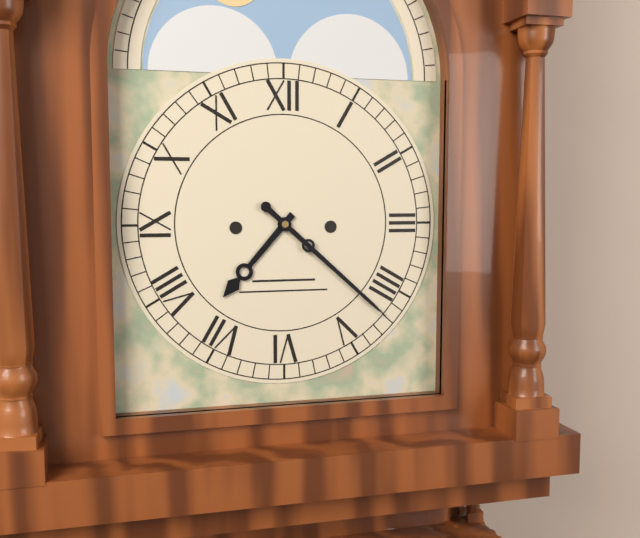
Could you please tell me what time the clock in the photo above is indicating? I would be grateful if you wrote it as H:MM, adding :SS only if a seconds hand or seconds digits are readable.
7:22
